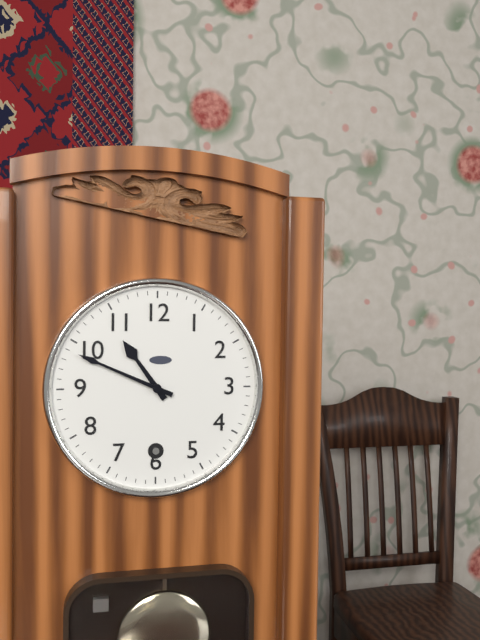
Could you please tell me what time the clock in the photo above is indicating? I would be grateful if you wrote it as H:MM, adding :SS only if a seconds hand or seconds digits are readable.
10:49
